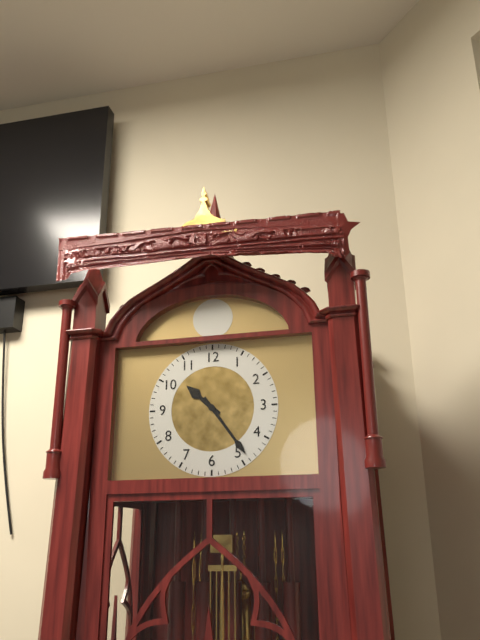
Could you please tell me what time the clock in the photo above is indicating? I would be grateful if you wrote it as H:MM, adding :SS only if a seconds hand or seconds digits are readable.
10:24
